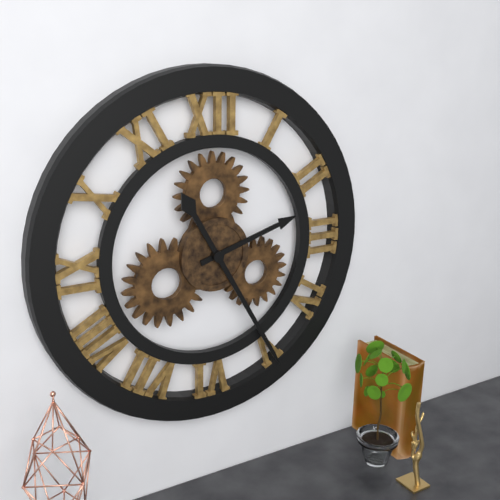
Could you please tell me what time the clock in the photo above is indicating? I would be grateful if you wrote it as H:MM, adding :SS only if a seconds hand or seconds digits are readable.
2:25
